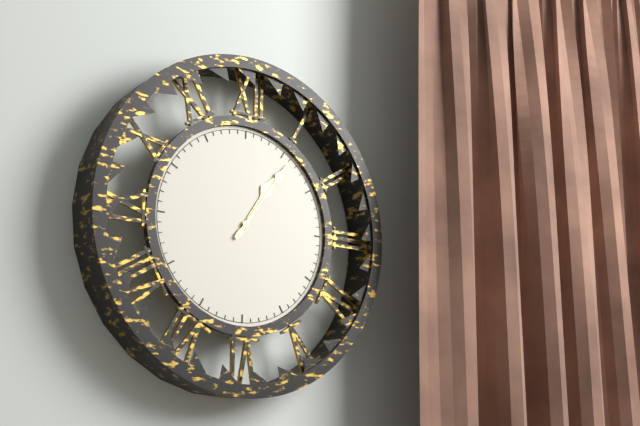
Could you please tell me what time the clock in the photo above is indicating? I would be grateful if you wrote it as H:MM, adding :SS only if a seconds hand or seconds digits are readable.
1:06
